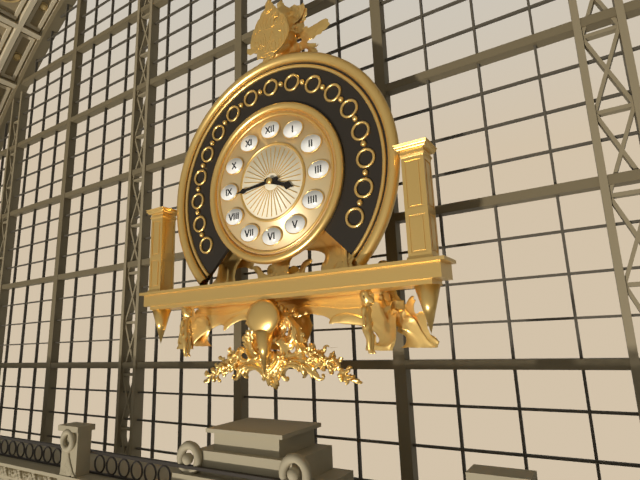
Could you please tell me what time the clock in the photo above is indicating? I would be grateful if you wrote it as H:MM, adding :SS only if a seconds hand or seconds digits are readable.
3:44
